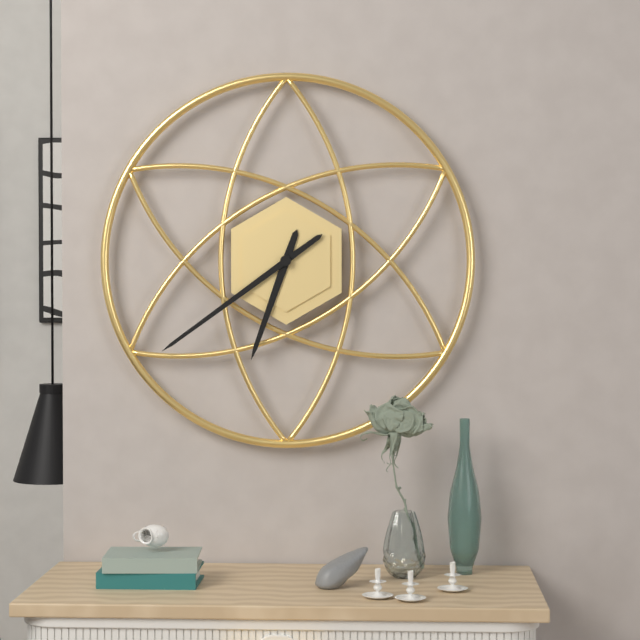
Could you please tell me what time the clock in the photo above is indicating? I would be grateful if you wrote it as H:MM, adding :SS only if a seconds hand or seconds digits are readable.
6:39
